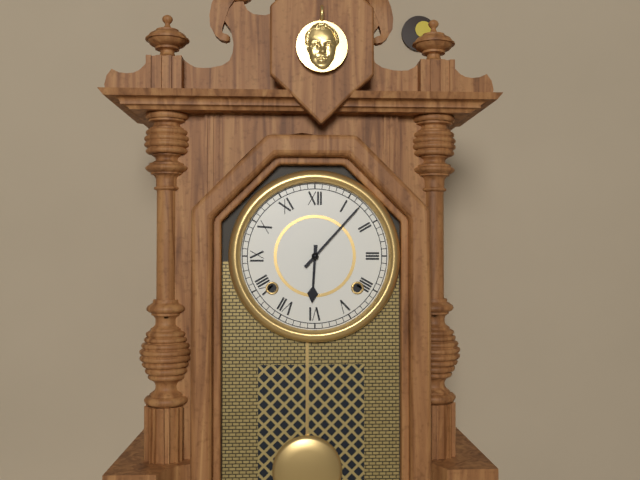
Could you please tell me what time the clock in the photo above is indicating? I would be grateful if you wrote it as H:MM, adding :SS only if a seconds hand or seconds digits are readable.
6:07
